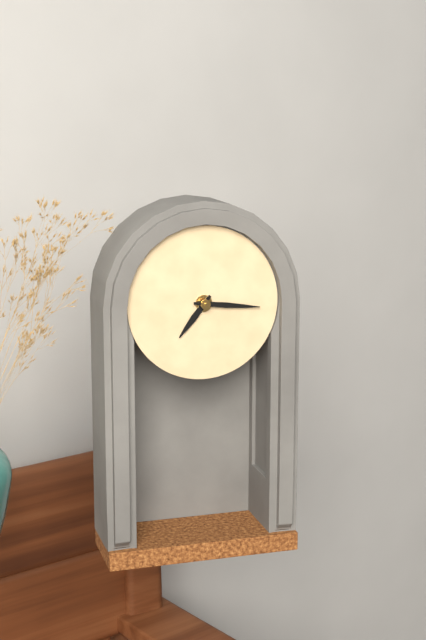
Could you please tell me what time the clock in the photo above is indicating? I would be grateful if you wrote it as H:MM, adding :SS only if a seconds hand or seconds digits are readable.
7:16
